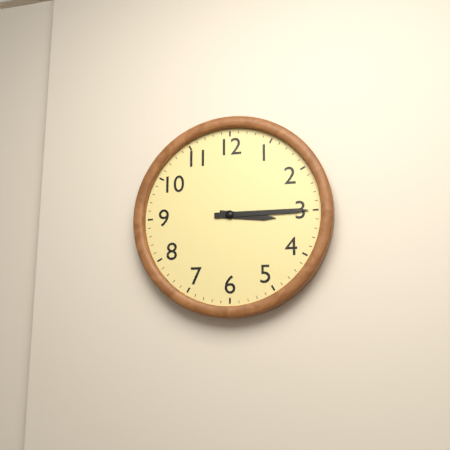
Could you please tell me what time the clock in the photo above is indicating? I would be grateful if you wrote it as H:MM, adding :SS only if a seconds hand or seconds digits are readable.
3:15
